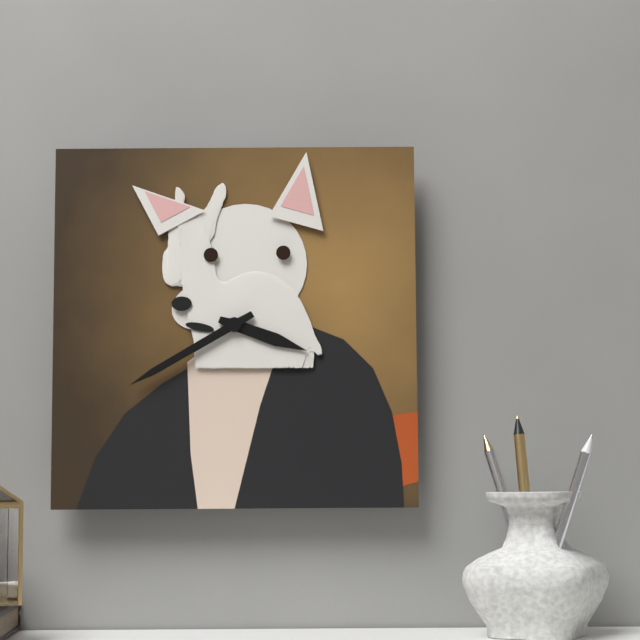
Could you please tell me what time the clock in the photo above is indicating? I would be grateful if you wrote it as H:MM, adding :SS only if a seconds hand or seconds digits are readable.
3:40
